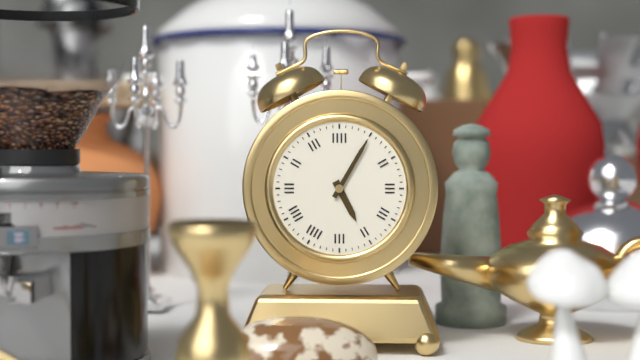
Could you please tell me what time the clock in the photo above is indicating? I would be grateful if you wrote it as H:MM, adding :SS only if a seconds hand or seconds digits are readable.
5:05
